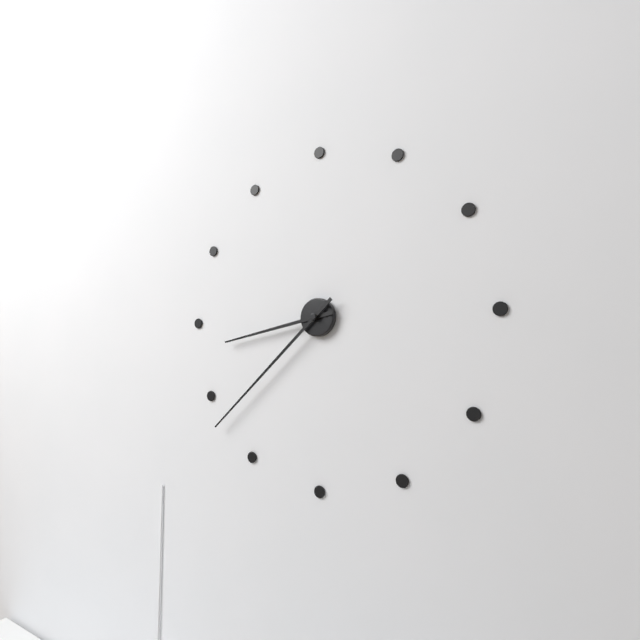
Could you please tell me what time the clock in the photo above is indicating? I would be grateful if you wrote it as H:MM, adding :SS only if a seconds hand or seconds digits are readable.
8:38
